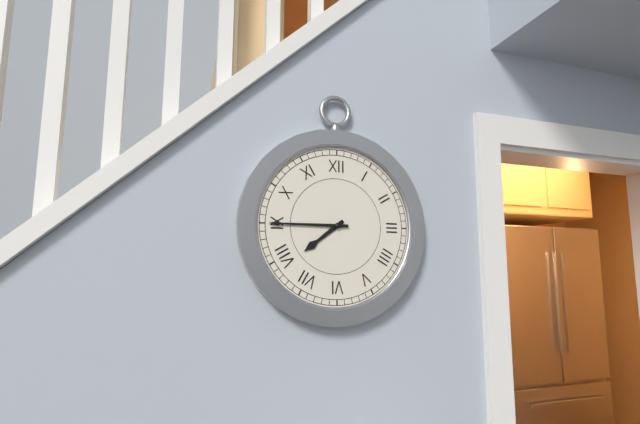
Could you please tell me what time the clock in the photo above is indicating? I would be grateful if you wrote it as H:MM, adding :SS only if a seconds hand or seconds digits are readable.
7:45
